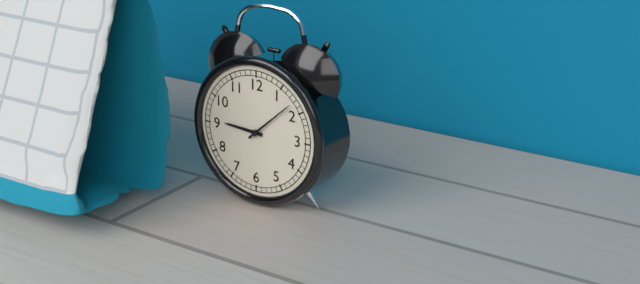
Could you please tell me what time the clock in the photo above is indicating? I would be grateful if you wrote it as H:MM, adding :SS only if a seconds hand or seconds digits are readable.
9:08
